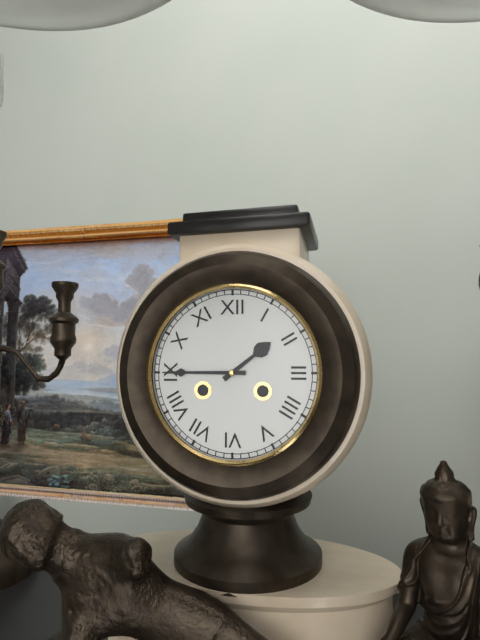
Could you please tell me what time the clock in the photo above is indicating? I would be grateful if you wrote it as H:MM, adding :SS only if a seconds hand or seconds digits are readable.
1:45
